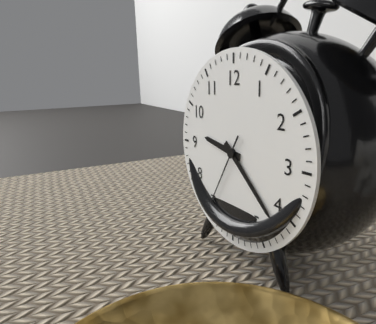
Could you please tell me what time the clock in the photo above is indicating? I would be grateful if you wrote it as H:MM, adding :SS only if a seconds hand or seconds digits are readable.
9:22:35
